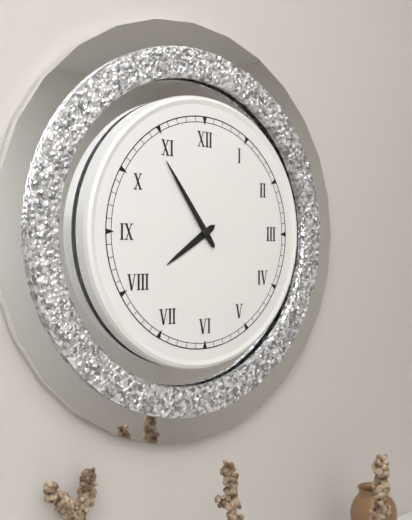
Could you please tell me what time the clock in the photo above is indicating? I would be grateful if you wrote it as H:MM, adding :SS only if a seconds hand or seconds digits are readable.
7:54
